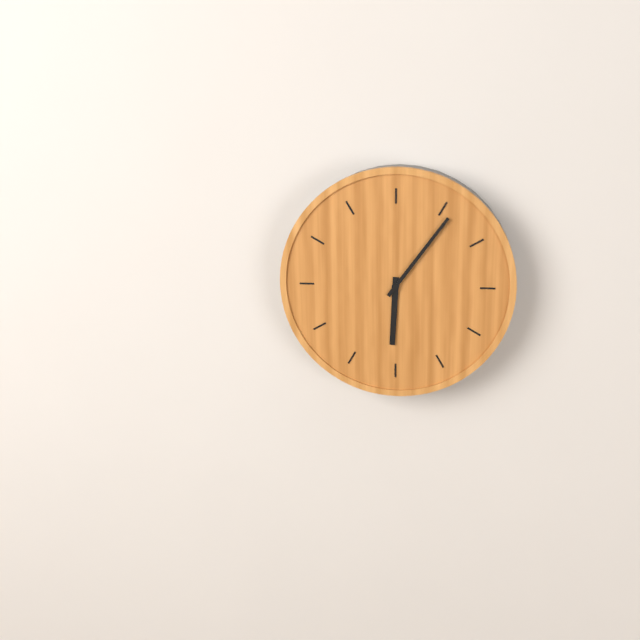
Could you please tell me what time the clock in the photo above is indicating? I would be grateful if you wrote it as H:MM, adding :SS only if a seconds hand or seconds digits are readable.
6:06
